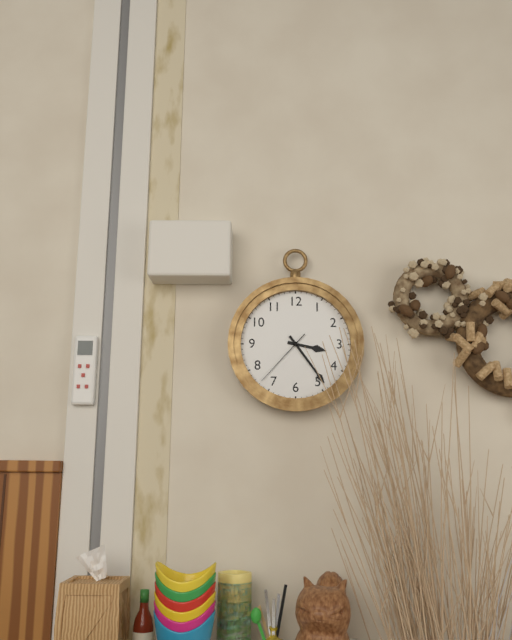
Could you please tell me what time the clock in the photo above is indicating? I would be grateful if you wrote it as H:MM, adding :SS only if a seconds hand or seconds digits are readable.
3:24:37
